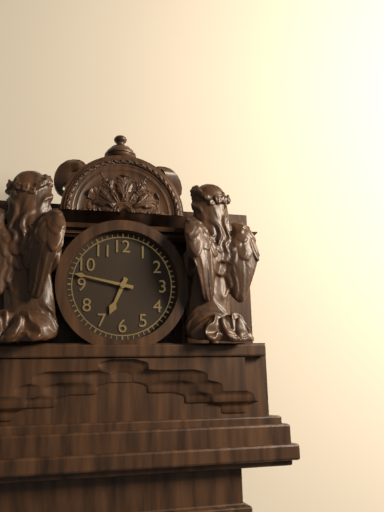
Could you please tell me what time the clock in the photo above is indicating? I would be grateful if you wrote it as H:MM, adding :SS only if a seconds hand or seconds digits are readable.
6:47
